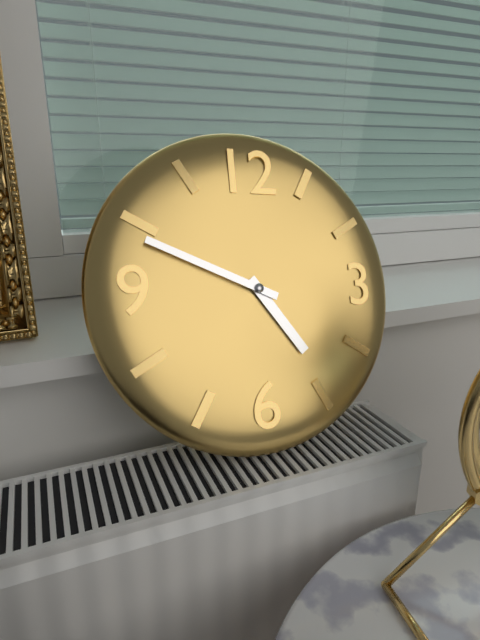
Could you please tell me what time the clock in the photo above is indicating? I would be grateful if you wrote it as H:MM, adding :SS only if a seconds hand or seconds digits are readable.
4:49
